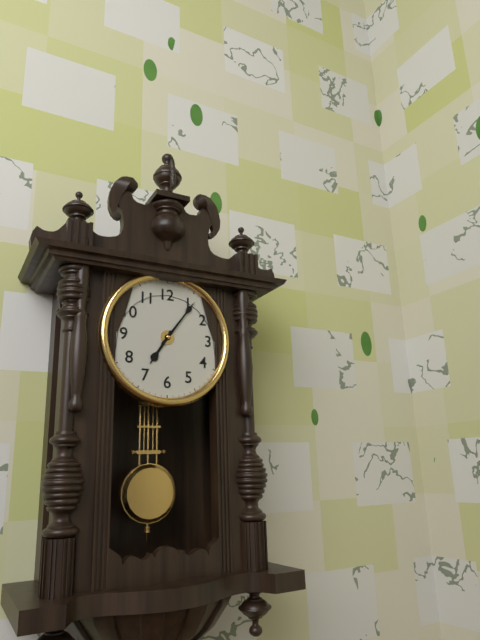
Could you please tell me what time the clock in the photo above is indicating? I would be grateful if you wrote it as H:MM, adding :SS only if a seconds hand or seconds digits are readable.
7:06
